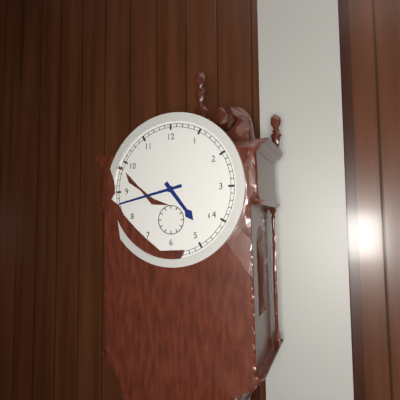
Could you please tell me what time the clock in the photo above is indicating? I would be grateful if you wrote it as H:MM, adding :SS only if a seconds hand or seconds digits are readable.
4:43
